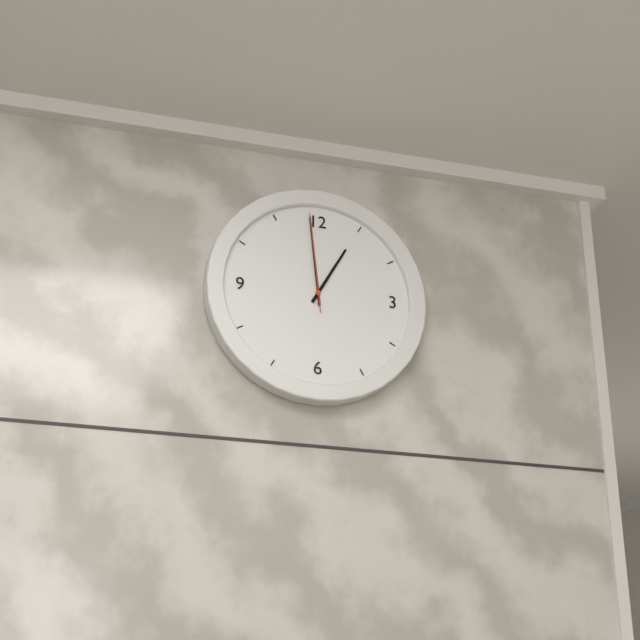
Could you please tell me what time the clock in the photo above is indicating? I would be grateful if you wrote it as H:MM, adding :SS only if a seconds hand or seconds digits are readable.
12:59:59
